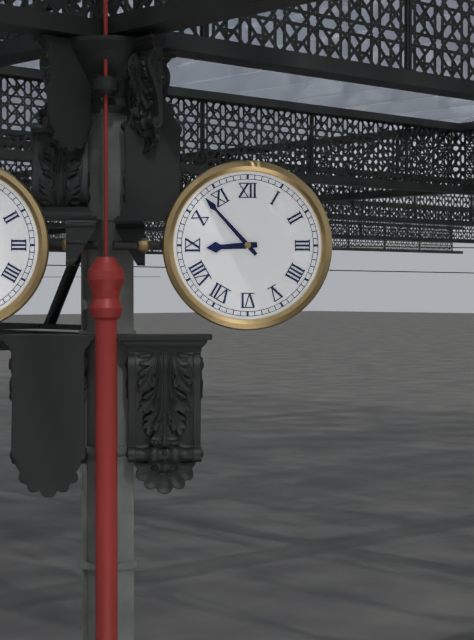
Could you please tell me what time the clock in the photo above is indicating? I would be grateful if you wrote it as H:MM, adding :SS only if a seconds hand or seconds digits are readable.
8:53
